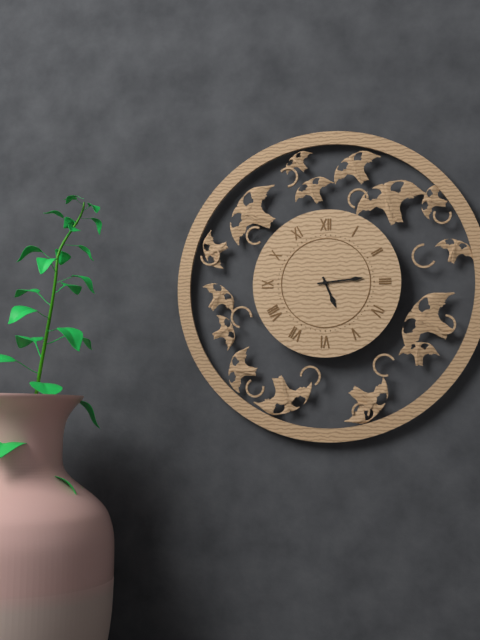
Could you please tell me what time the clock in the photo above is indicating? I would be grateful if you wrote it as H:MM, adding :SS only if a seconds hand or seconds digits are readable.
5:14
